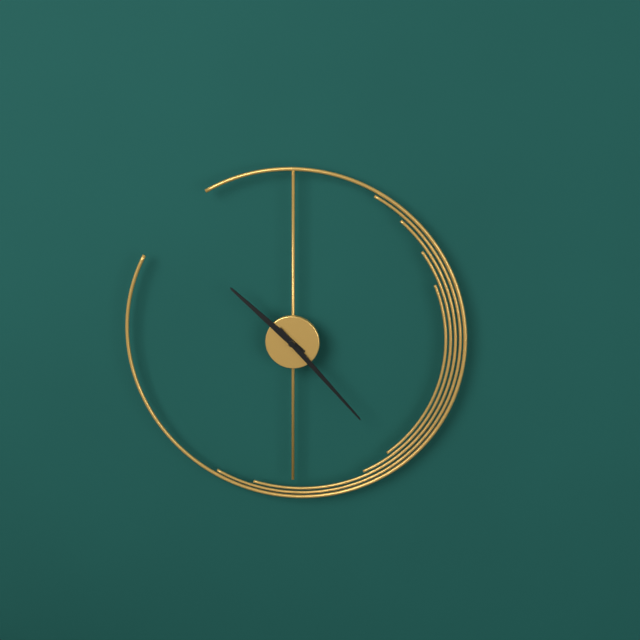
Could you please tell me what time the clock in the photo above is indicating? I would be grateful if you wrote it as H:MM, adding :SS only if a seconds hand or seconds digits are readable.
10:23
